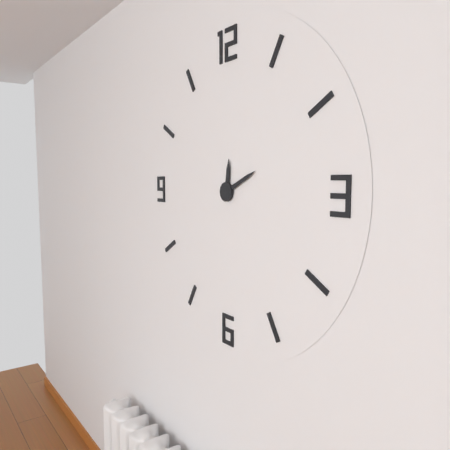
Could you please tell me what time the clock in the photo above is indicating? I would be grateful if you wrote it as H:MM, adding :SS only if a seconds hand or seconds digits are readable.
12:11
